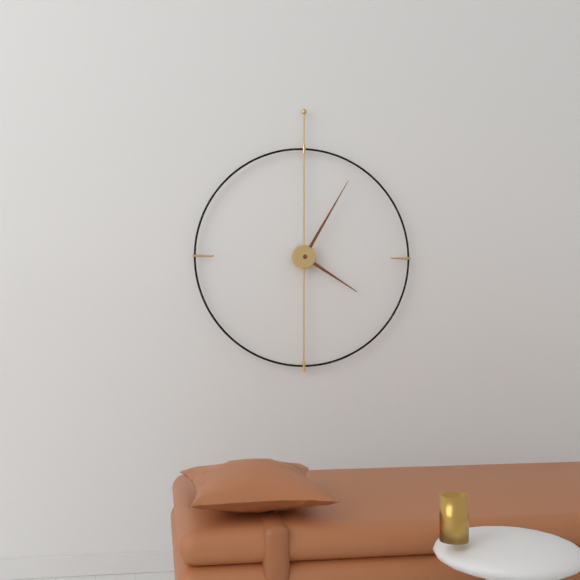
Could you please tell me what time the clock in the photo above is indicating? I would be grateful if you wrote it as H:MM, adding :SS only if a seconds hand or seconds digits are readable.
4:05
